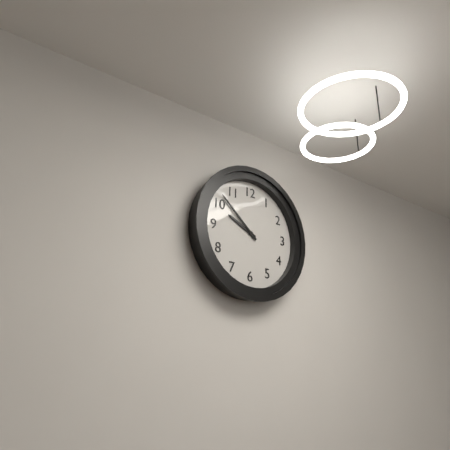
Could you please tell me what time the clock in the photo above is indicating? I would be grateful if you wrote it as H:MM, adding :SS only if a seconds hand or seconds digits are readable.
9:52
